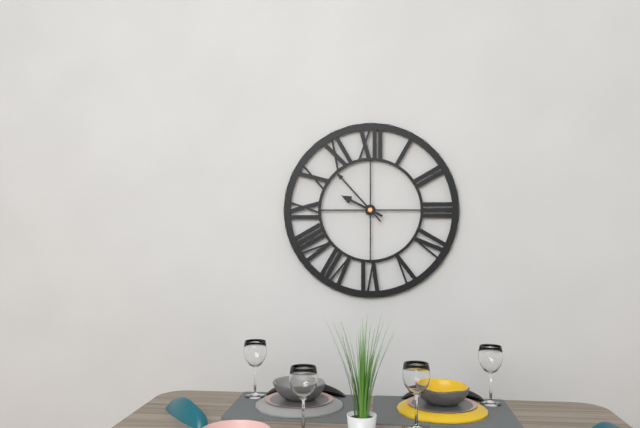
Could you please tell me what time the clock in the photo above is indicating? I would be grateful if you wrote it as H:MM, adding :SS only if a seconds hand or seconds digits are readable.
9:53
